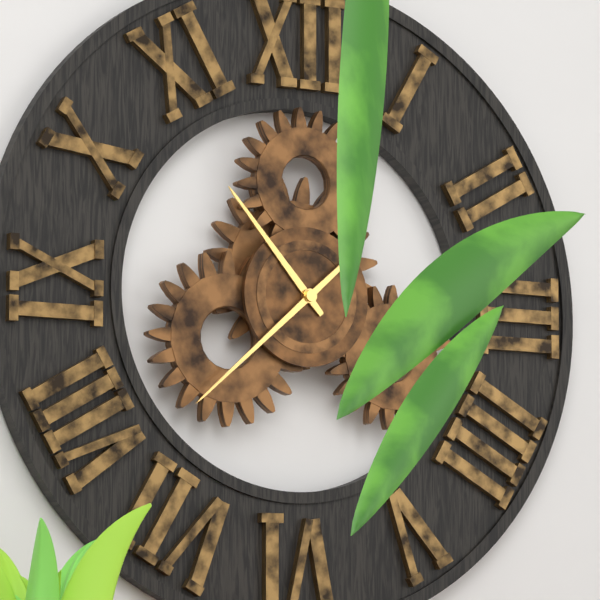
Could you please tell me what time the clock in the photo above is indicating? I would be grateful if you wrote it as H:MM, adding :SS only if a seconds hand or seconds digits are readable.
10:38
